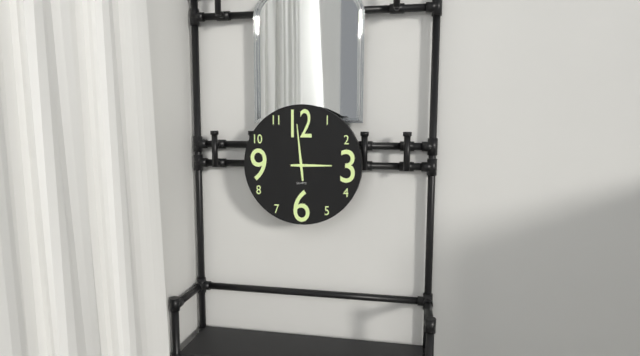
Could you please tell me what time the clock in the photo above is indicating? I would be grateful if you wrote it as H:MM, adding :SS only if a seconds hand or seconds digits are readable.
2:59
